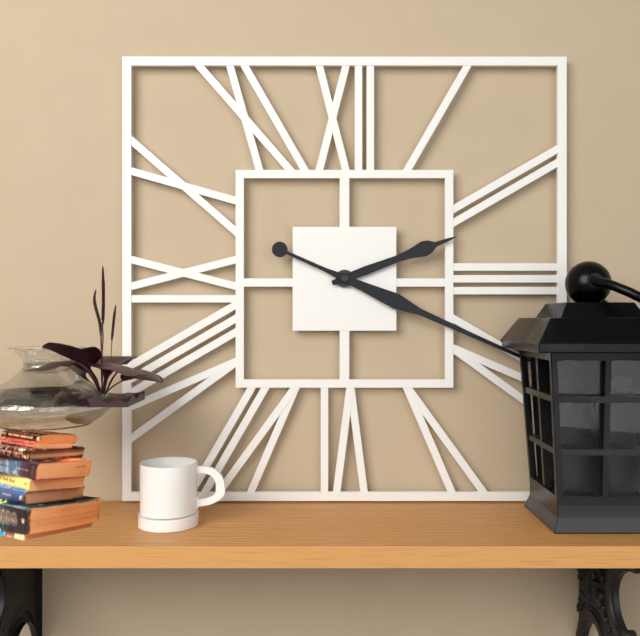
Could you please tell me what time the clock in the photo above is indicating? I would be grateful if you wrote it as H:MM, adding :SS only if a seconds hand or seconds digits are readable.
2:19
